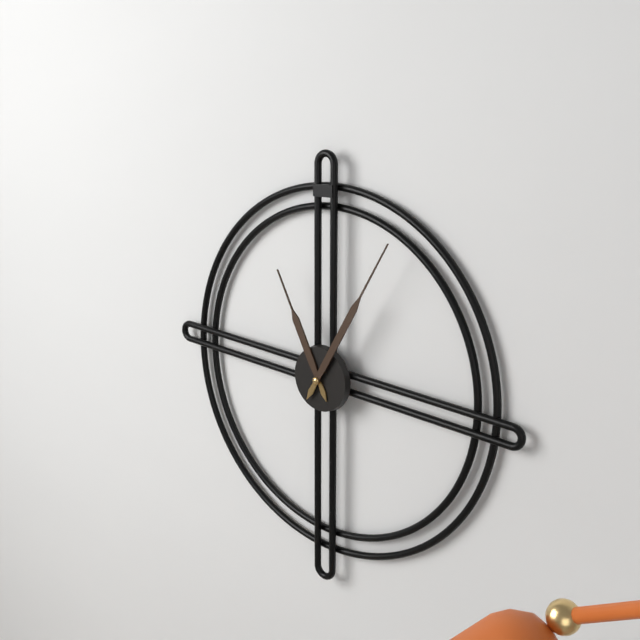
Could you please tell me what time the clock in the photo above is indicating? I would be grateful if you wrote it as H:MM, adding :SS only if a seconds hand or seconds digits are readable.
11:05
